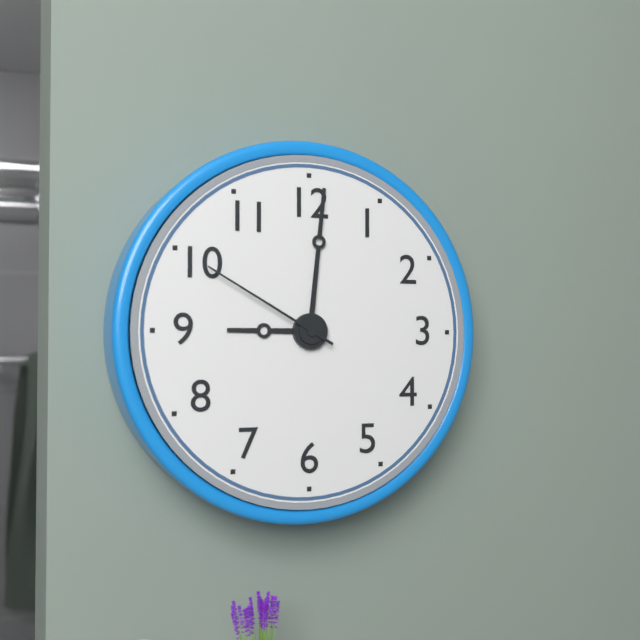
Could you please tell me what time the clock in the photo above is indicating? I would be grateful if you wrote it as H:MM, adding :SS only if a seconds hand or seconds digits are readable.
9:01:50
